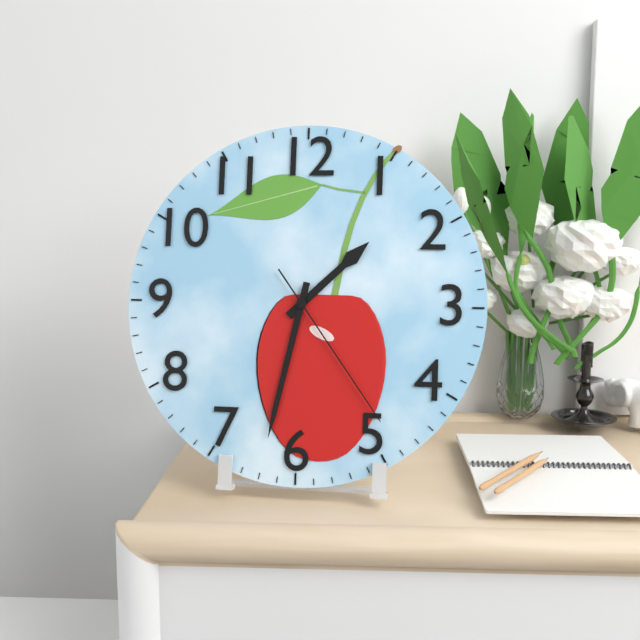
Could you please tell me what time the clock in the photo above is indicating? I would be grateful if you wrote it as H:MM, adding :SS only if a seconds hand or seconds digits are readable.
1:32:24
